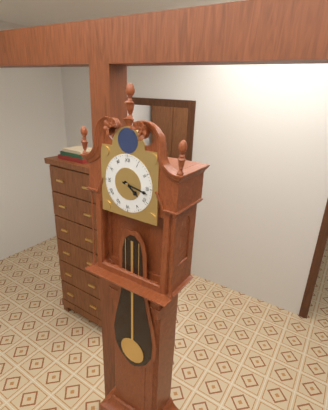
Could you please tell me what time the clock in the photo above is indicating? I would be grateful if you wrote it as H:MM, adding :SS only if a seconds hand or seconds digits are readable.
4:17
